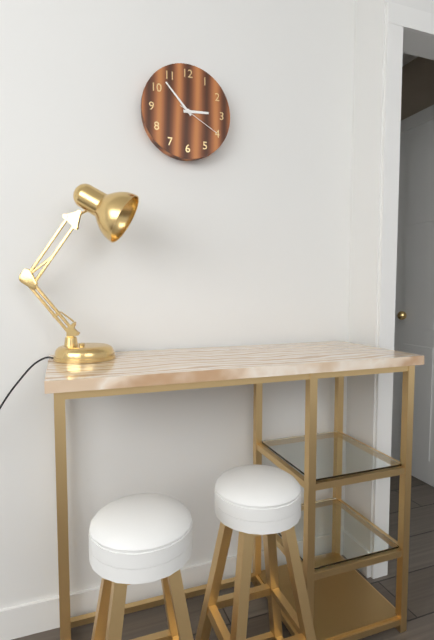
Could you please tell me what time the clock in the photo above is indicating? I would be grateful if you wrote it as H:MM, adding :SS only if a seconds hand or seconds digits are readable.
2:53
